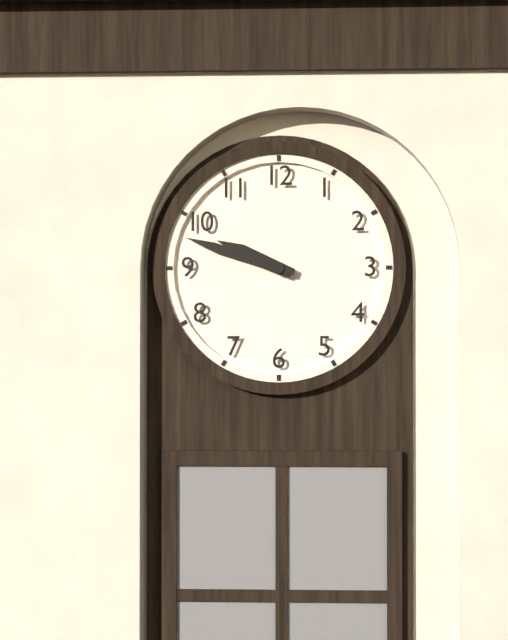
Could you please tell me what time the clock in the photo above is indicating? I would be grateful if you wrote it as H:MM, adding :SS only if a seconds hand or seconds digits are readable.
9:48
